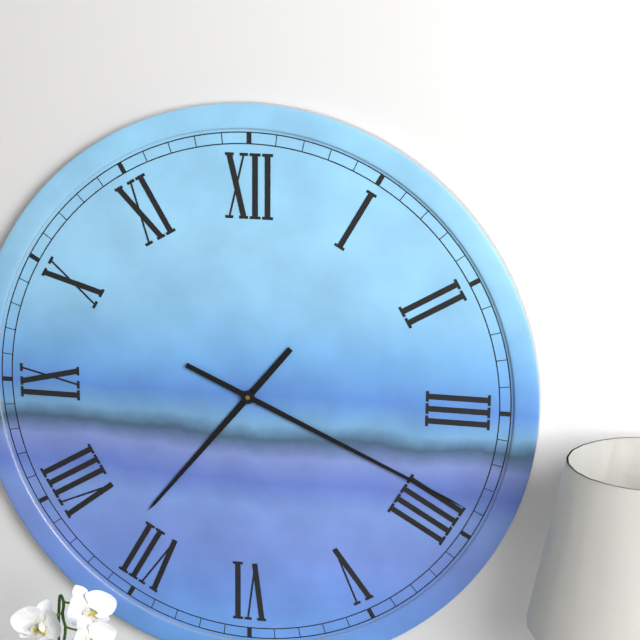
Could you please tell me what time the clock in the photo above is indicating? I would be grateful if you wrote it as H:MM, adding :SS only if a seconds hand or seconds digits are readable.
7:19
